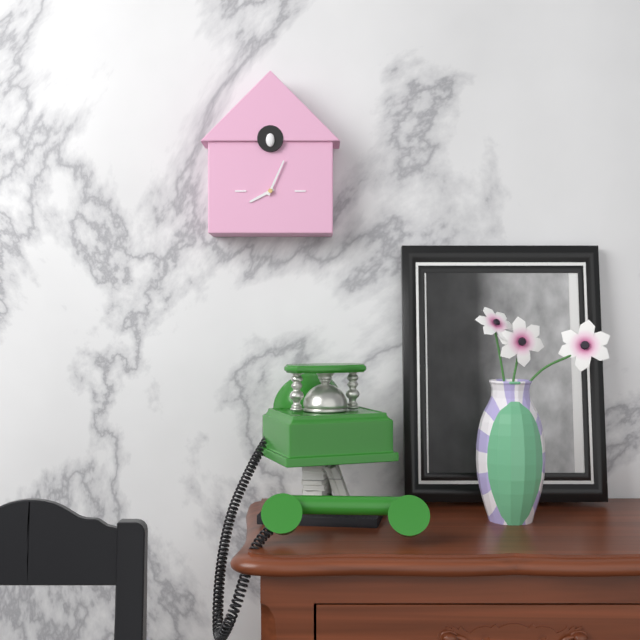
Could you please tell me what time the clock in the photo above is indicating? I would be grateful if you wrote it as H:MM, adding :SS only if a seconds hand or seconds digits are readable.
8:04
